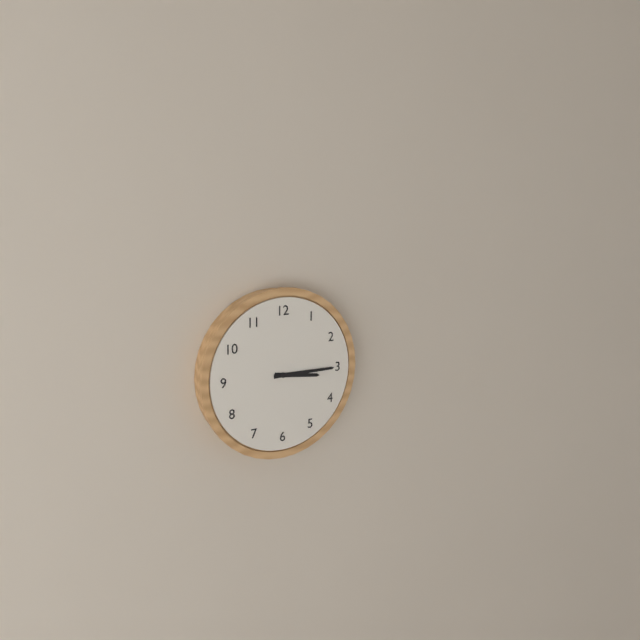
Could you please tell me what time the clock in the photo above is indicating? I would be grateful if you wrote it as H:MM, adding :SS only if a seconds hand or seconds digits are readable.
3:15
